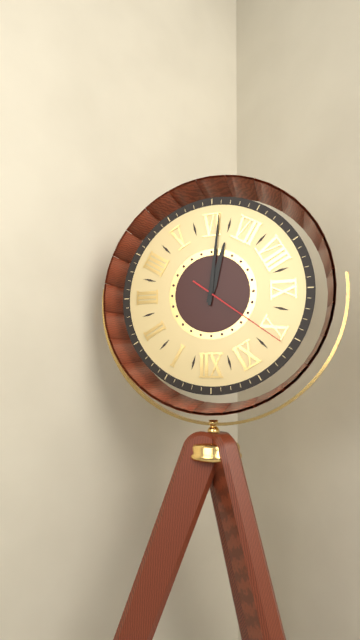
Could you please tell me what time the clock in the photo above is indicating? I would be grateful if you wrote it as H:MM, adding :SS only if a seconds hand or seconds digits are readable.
6:31:51
